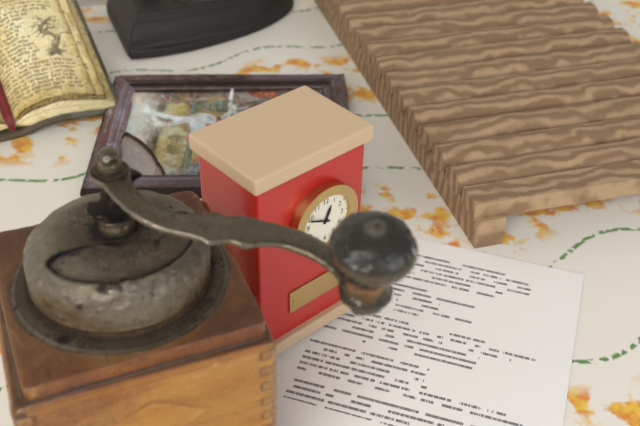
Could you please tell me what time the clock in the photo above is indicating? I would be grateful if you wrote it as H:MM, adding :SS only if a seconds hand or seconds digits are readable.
12:49
